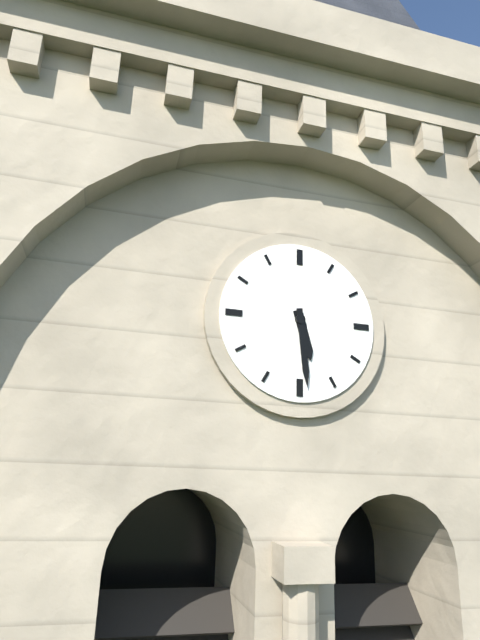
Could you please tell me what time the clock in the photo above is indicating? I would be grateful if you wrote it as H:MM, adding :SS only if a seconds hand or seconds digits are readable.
5:29
